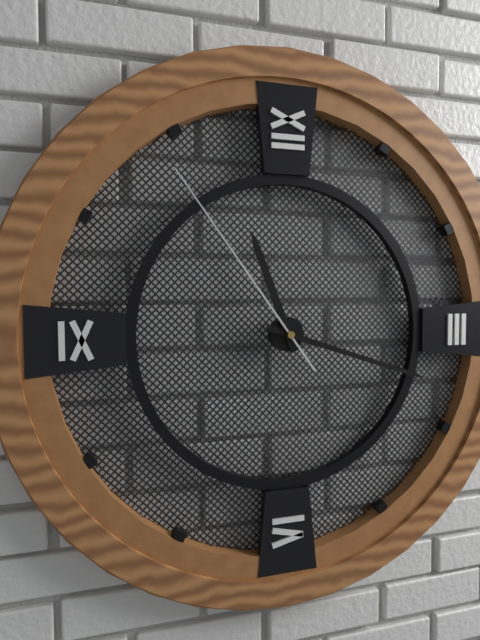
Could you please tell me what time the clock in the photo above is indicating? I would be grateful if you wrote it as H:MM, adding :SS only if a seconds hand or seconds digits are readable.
11:18:54
